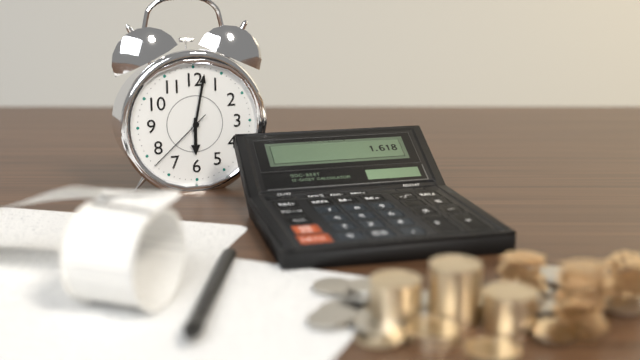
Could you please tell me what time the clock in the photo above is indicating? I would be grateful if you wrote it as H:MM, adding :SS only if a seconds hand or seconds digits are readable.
6:02:38
